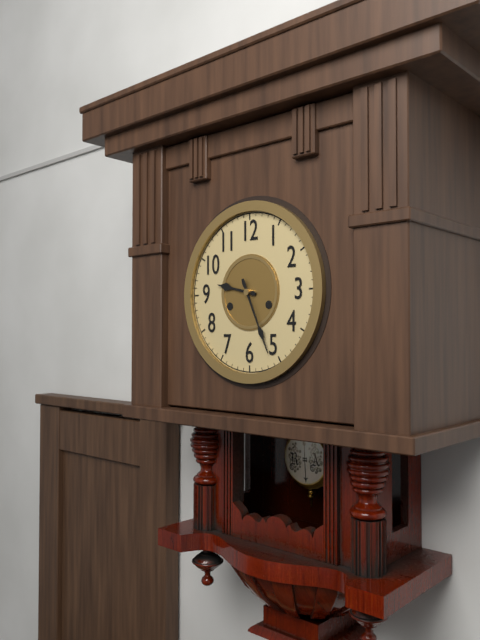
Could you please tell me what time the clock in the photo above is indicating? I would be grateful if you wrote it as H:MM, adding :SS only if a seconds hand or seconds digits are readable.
9:26
